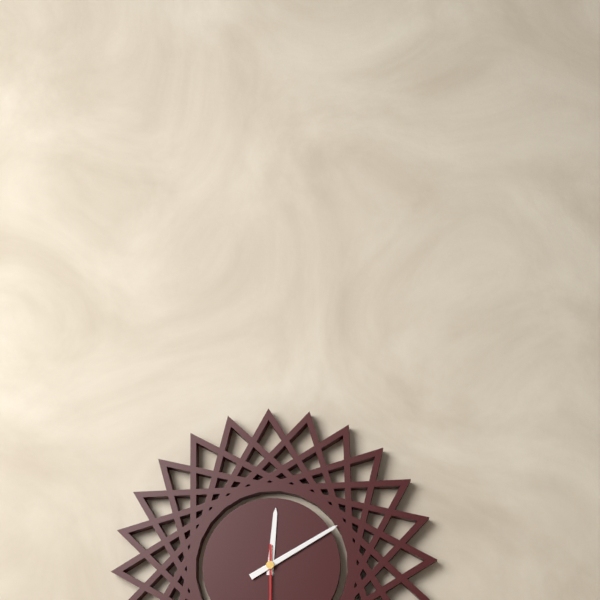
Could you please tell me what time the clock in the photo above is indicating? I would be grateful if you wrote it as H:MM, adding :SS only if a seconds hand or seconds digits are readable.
12:10
